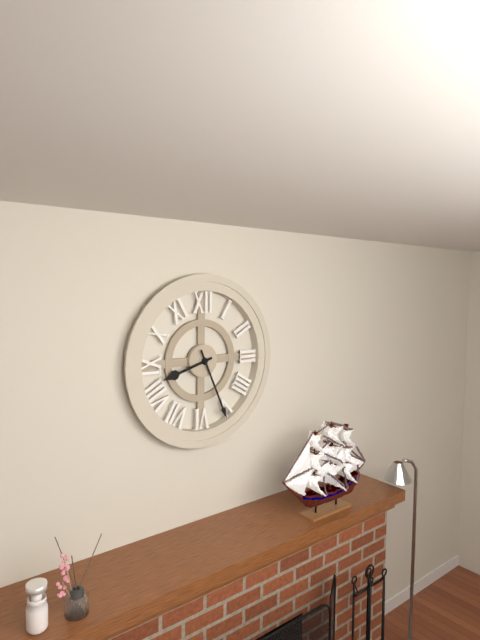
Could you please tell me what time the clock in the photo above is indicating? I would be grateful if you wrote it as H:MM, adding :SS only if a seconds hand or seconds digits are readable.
8:26
